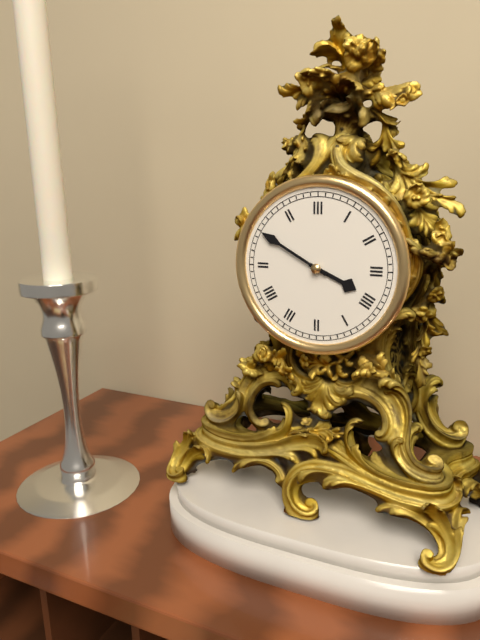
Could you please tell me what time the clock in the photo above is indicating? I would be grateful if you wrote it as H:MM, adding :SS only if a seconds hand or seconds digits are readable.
3:50
